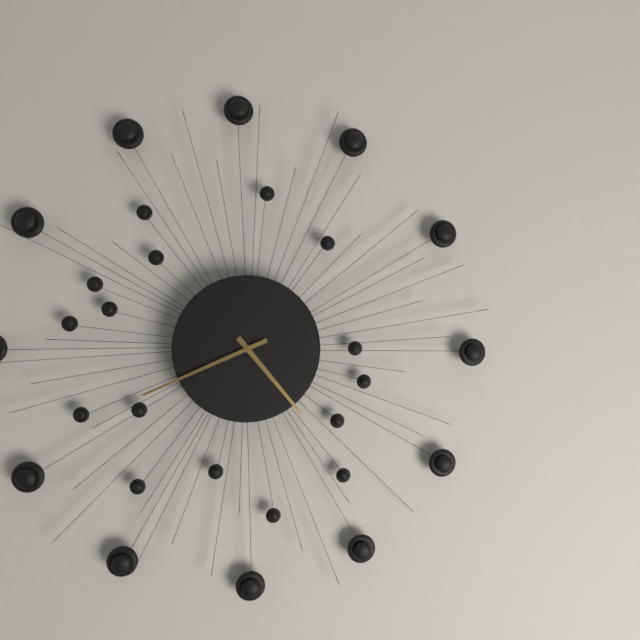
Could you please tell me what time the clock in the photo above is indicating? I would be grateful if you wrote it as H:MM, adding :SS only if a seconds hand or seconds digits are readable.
4:41
